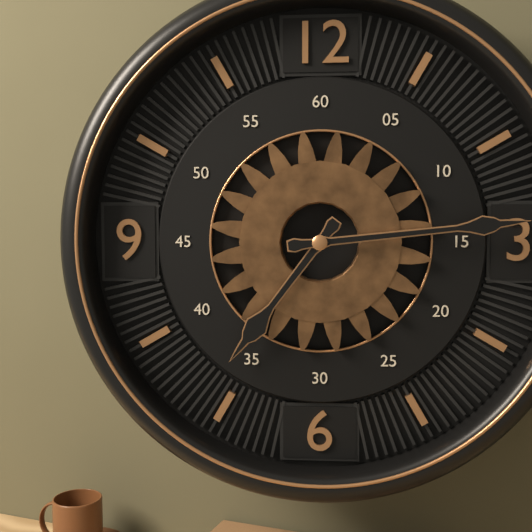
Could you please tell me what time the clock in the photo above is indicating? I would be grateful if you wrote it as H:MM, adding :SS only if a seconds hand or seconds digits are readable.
7:14
